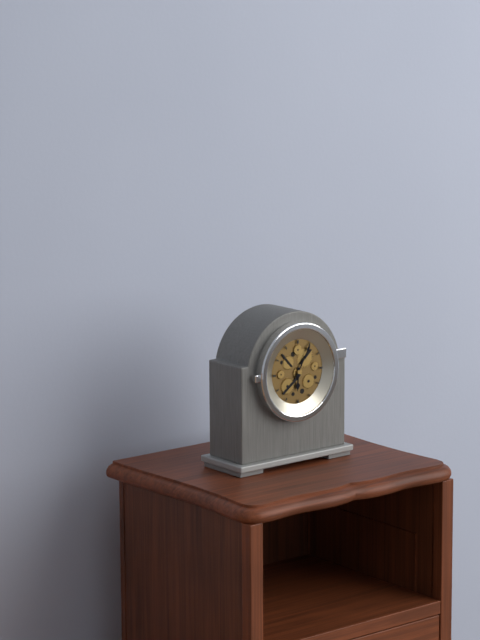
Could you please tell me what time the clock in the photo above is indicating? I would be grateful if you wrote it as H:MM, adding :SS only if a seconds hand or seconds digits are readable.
6:05
